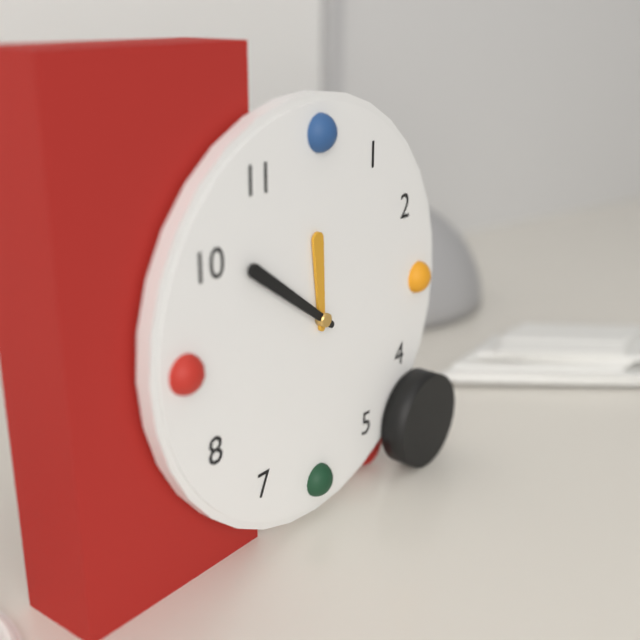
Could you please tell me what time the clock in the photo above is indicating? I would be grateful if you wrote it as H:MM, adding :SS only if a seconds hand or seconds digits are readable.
11:51
